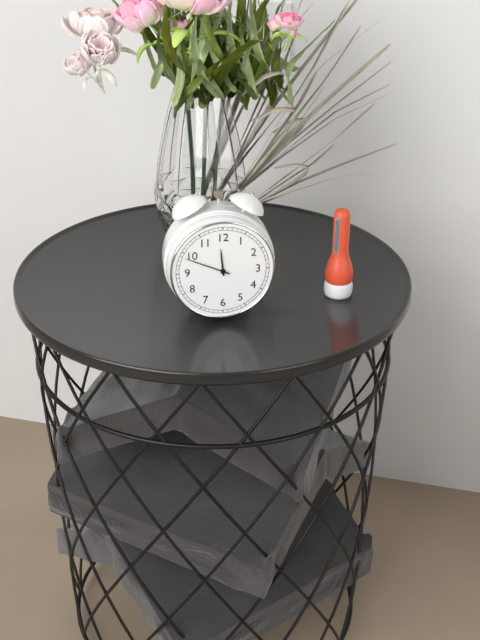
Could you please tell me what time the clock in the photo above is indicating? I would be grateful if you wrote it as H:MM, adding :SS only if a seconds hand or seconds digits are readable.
11:49
